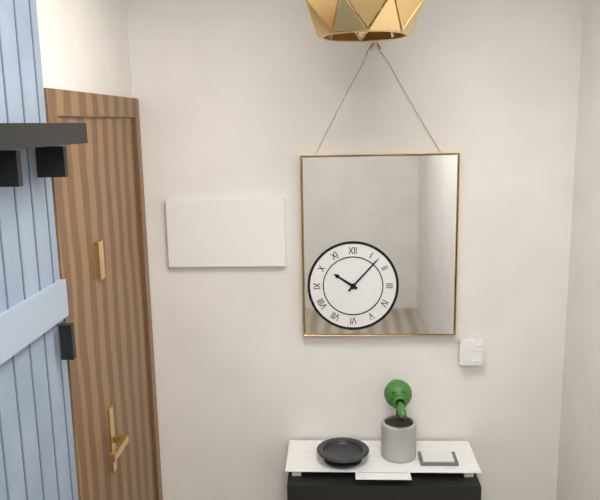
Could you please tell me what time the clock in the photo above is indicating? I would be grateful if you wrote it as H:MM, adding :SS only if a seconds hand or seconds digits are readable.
10:07
